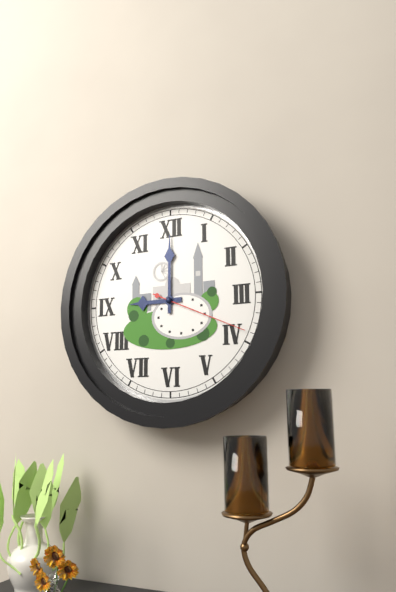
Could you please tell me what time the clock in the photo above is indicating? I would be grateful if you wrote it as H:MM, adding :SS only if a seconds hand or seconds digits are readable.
9:00:19
